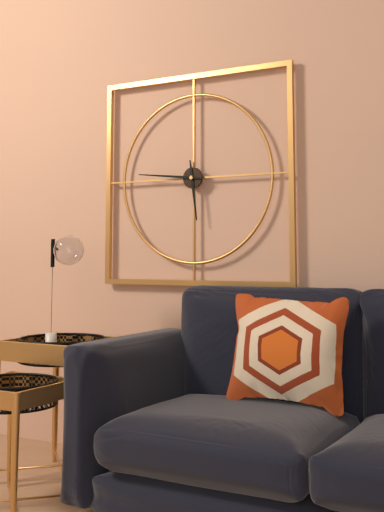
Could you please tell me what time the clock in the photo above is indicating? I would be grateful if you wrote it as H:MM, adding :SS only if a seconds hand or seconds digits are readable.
5:46
